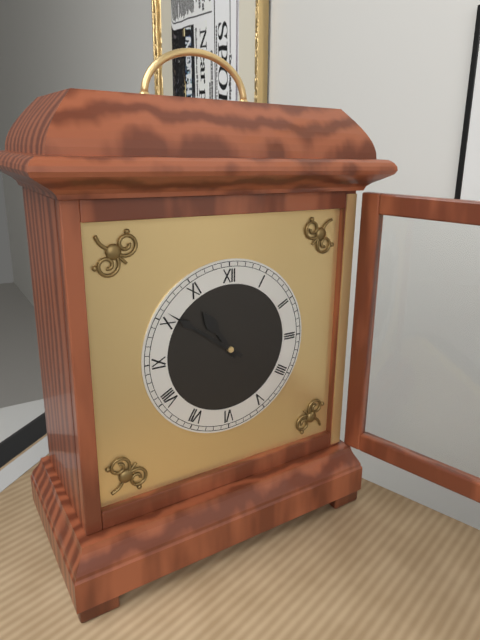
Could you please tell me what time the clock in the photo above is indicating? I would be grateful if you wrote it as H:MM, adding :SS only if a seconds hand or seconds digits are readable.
10:51
